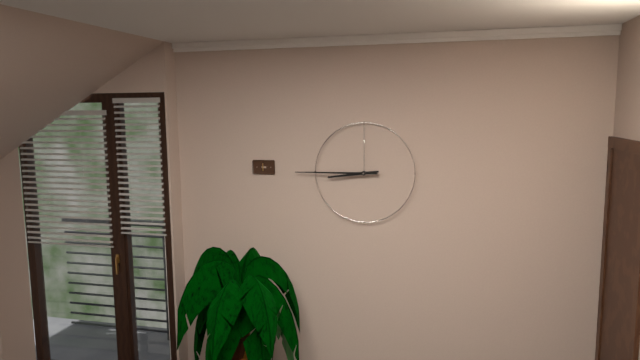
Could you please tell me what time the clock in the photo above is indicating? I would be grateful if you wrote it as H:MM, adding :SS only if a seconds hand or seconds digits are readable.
8:45
